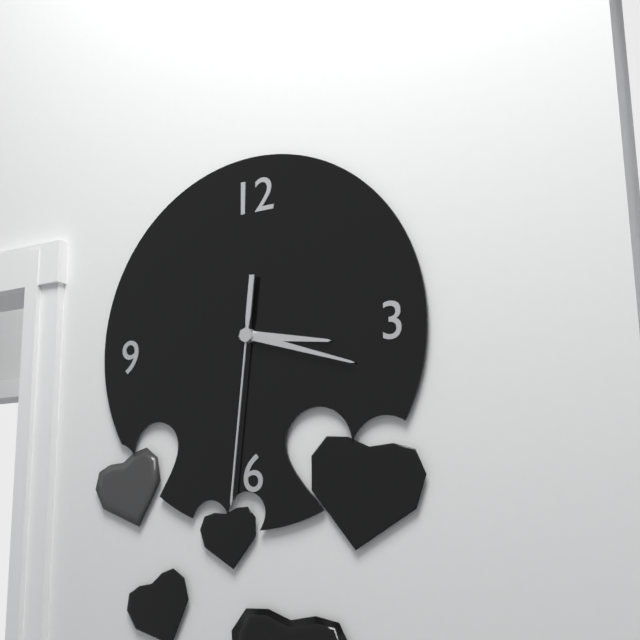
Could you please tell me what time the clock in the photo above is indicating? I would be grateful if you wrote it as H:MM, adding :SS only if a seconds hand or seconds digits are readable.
3:18:31
